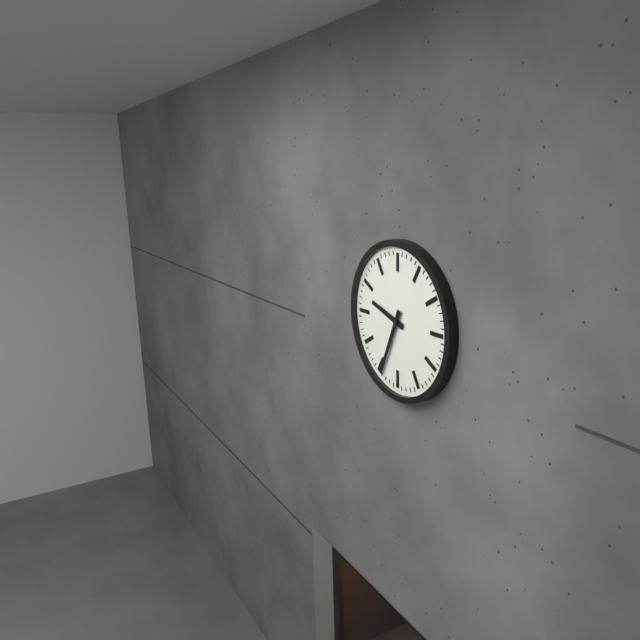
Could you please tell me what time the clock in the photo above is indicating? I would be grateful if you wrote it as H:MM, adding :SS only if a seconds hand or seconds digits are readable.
9:34
